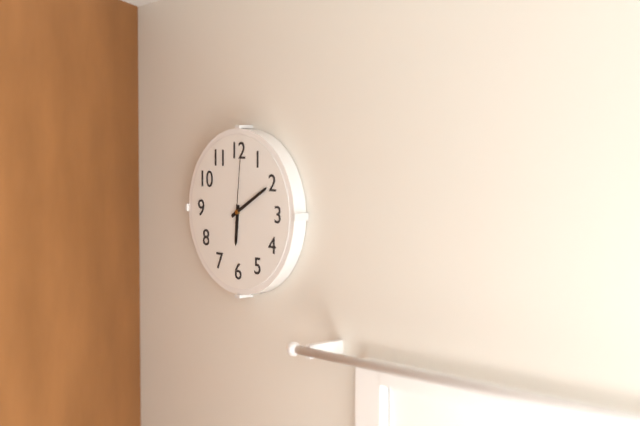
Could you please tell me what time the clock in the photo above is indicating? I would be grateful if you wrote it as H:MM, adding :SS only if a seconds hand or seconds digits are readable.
6:10:01
